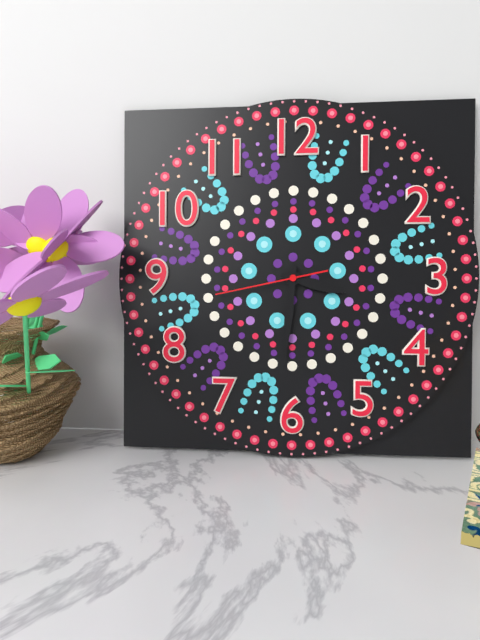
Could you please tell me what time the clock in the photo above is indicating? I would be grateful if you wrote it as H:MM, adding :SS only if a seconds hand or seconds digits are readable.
3:31:43
